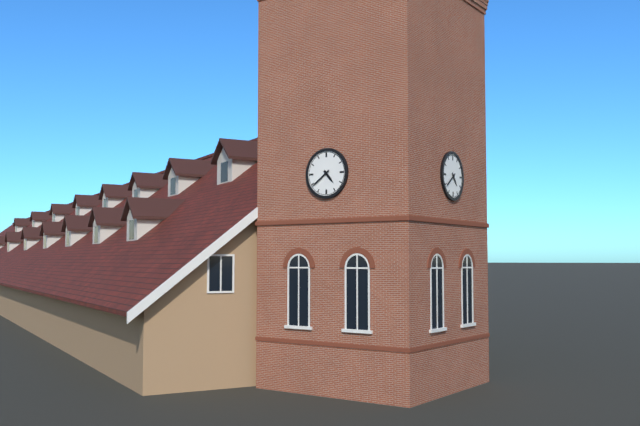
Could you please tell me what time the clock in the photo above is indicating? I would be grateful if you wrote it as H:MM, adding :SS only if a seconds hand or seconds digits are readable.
4:39
